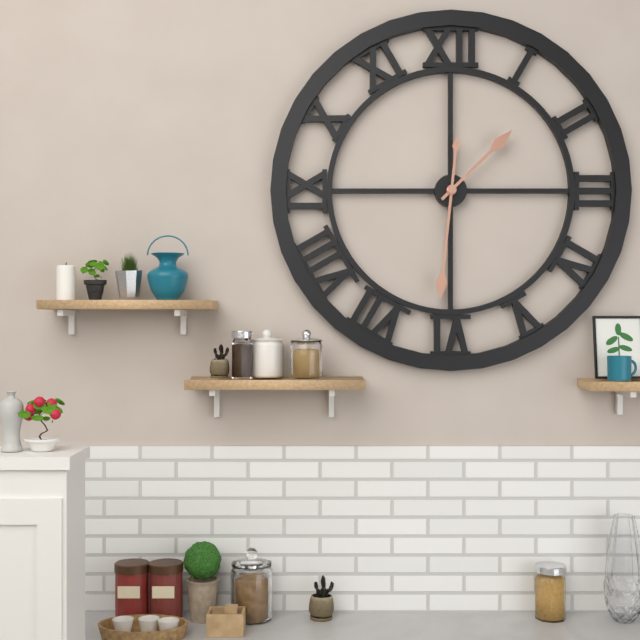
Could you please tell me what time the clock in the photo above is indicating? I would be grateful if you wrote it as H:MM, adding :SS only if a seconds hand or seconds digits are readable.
1:31
